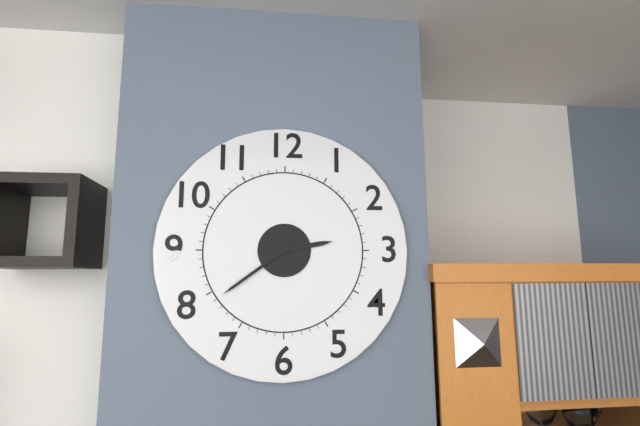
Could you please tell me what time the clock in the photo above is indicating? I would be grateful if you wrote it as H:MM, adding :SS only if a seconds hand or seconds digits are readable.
2:39
